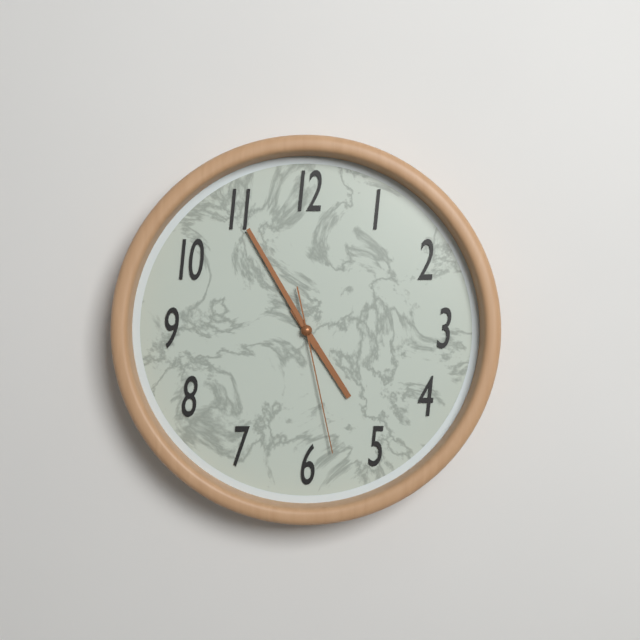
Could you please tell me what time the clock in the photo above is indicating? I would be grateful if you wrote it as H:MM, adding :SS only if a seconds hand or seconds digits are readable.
4:55:28
